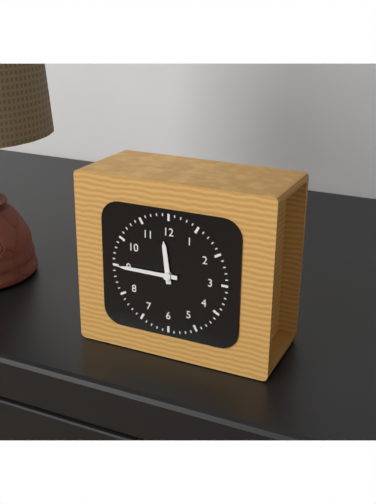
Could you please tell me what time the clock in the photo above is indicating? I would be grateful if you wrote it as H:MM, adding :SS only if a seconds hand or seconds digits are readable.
11:45
